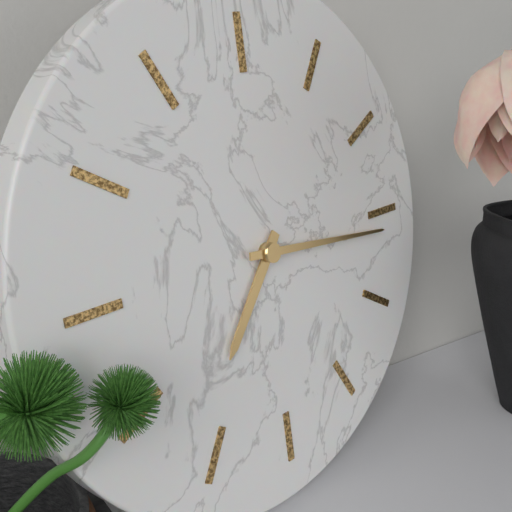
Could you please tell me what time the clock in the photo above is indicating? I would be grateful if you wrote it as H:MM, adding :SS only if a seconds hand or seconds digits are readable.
7:16
